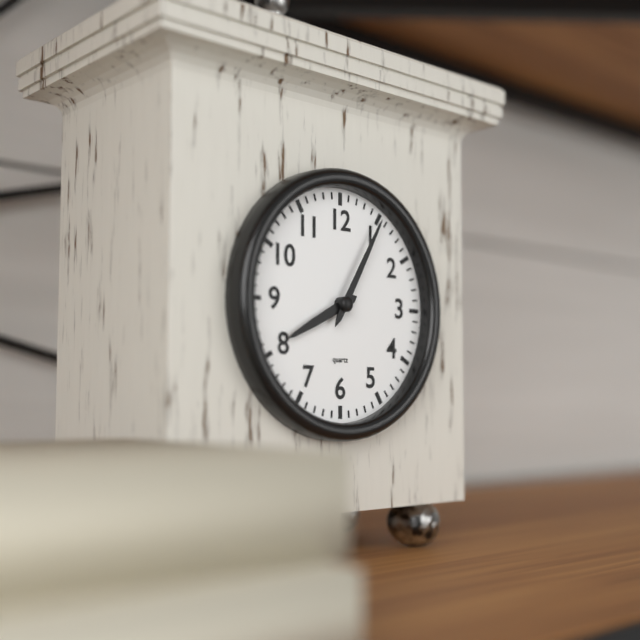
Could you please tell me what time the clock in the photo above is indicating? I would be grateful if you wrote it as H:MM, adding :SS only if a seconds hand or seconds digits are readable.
8:05
